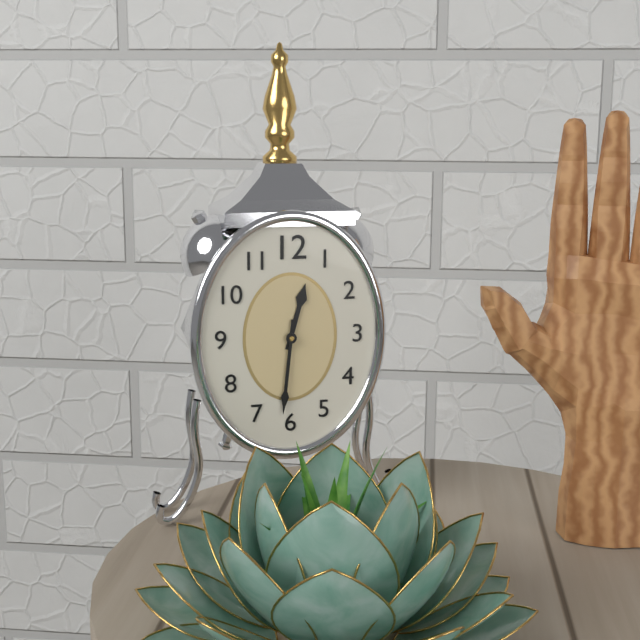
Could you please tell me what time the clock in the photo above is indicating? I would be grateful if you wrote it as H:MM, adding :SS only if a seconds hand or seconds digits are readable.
12:31
